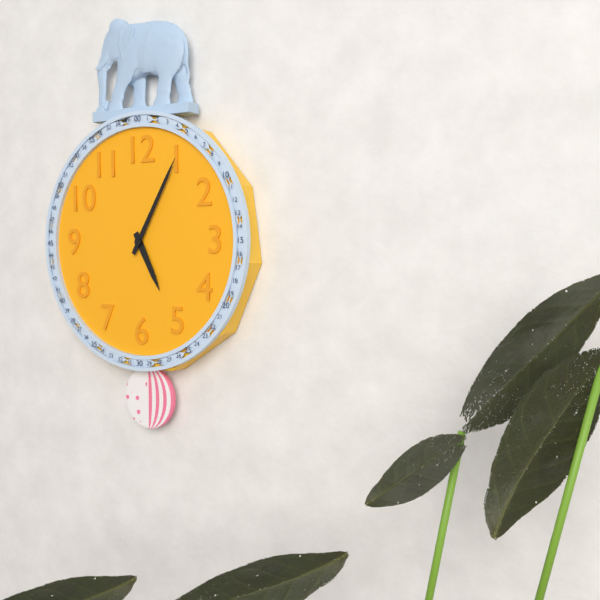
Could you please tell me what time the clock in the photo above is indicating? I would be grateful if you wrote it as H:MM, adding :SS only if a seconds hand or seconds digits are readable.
5:05
